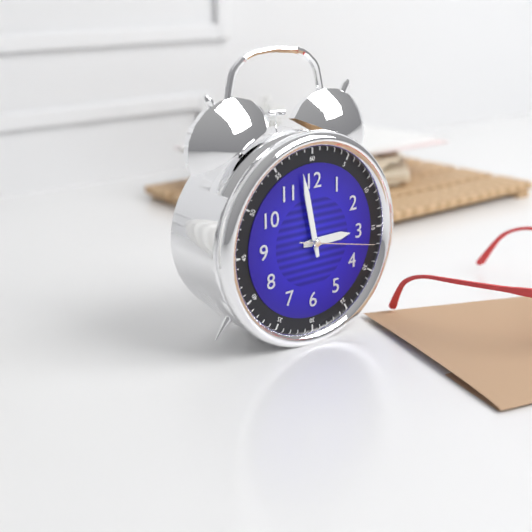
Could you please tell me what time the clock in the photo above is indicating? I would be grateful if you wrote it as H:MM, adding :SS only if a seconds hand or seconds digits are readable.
2:58:17
